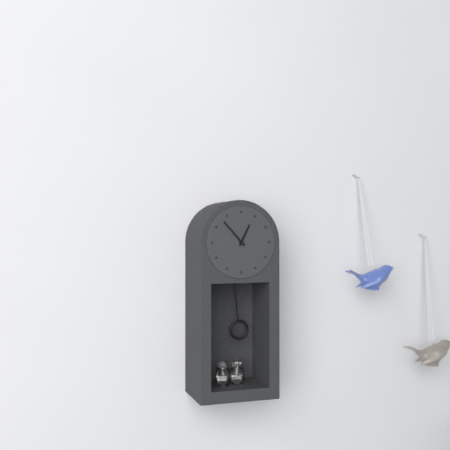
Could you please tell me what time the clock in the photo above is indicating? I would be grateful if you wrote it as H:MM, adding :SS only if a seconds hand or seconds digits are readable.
12:53
